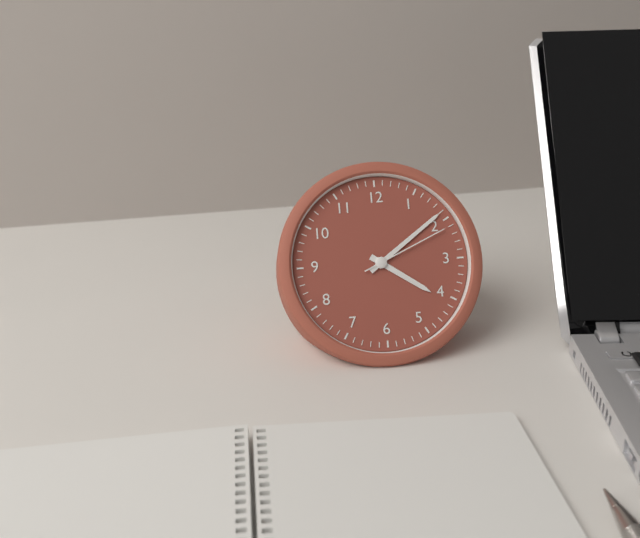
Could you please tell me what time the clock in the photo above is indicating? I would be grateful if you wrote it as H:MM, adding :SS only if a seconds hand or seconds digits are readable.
4:09:11
